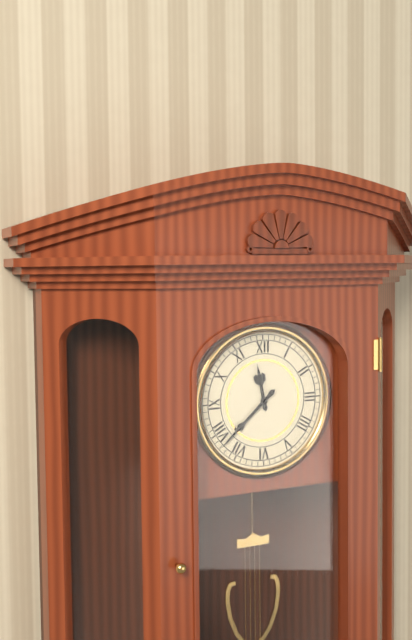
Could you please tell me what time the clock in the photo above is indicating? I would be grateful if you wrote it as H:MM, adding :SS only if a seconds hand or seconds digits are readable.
11:38
